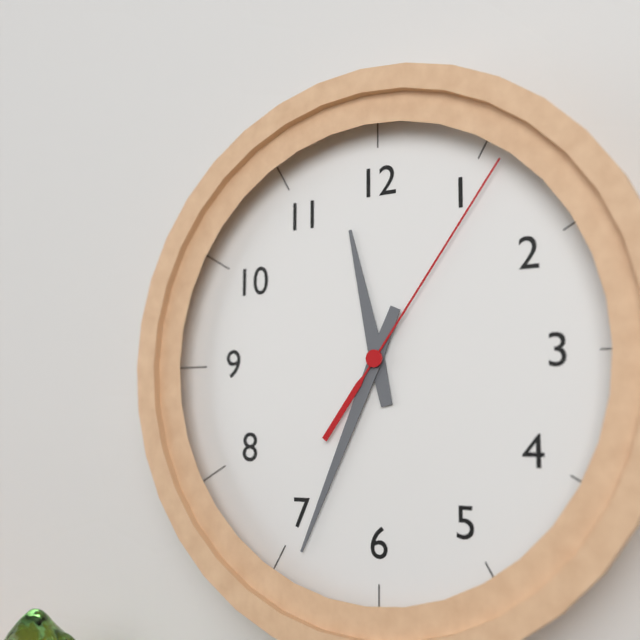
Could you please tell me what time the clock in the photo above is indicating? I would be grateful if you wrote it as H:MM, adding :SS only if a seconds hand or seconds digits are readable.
11:34:06
